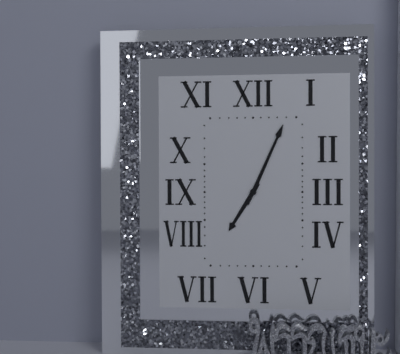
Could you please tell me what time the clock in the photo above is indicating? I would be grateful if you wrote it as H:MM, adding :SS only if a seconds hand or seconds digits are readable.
7:04
